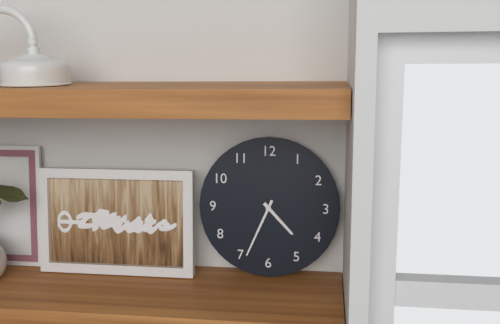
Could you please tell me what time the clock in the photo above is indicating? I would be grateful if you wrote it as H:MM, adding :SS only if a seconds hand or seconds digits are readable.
4:34
